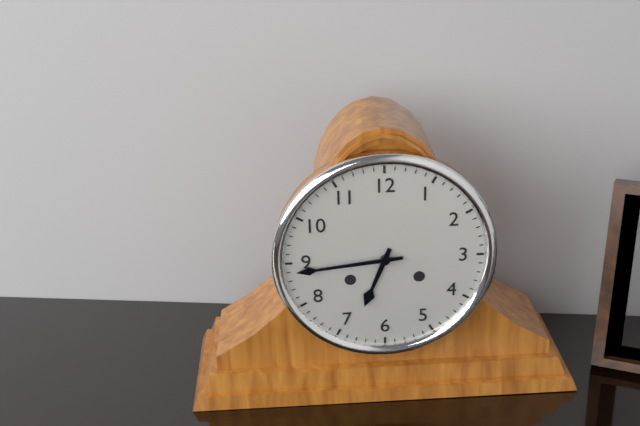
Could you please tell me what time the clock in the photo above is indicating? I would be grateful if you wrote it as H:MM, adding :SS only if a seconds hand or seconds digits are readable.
6:44
